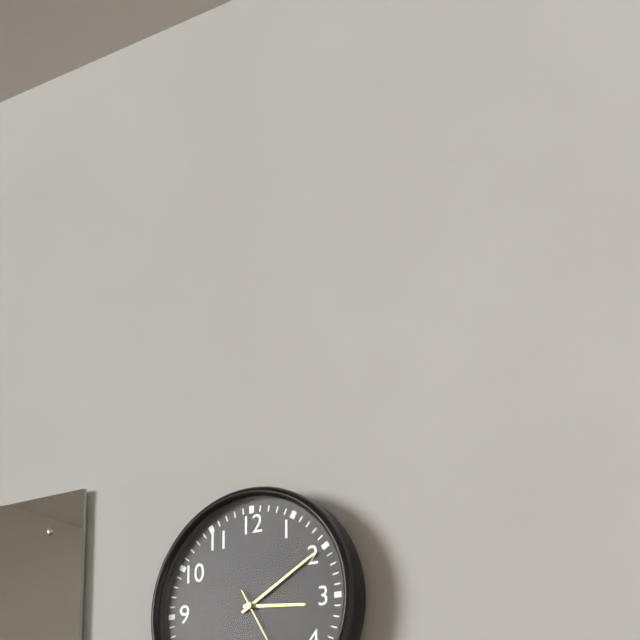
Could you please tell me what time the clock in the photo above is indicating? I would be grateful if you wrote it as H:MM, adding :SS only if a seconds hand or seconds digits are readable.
3:10
